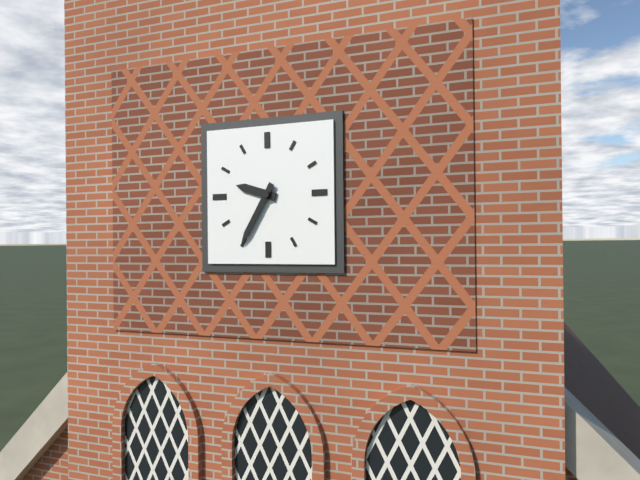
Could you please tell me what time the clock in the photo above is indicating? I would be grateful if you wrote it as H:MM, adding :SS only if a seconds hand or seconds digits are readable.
9:35
